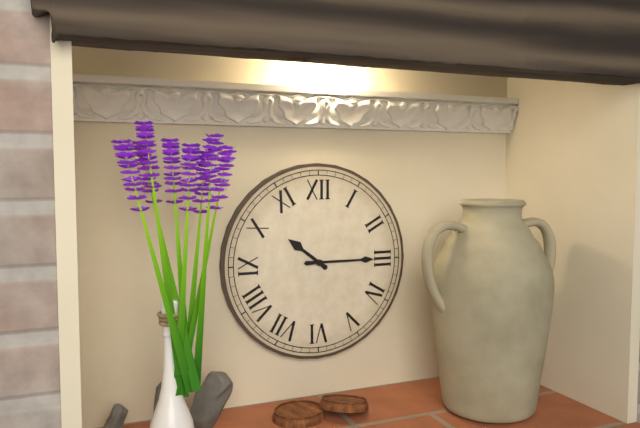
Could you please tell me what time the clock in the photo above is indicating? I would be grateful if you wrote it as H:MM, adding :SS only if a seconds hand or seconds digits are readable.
10:15
